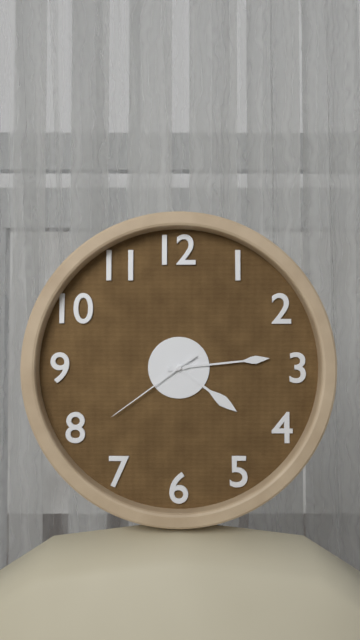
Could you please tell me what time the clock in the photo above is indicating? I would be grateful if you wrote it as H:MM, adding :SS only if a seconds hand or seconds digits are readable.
4:14:39
